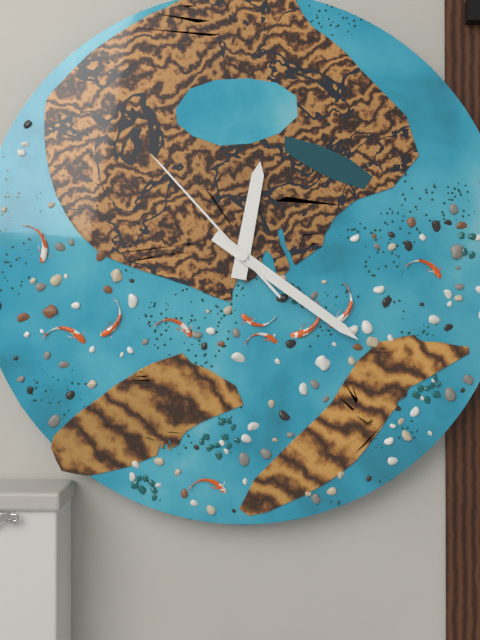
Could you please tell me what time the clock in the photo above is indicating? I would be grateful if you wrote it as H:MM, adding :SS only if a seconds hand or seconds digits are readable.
12:21:53
